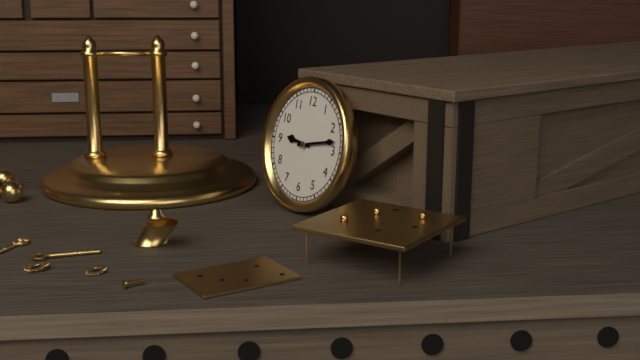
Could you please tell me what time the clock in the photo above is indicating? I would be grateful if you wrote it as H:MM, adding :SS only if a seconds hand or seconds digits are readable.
9:13
